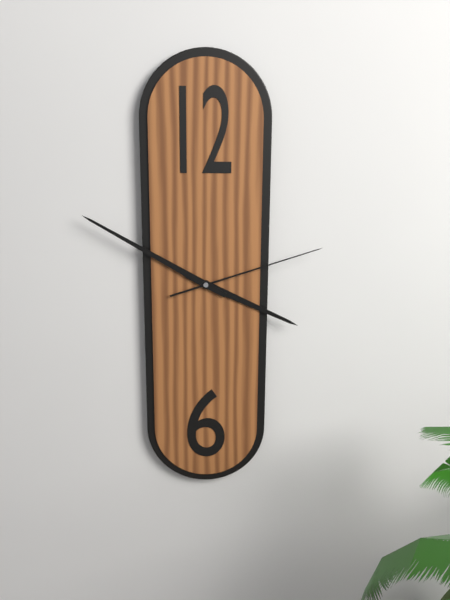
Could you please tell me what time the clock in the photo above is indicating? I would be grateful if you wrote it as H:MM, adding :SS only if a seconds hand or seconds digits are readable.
3:50:12
